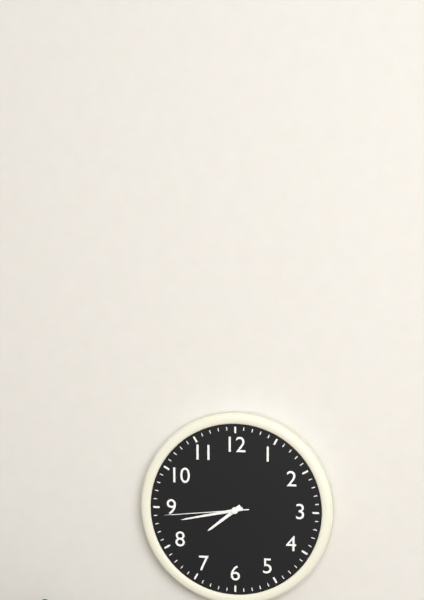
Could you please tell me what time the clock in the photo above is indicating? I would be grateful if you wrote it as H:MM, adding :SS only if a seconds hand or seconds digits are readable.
7:43:44
